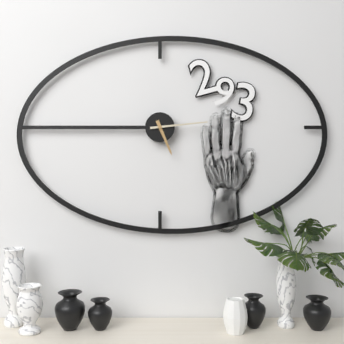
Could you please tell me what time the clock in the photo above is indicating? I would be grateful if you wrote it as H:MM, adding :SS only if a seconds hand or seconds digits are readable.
5:14
